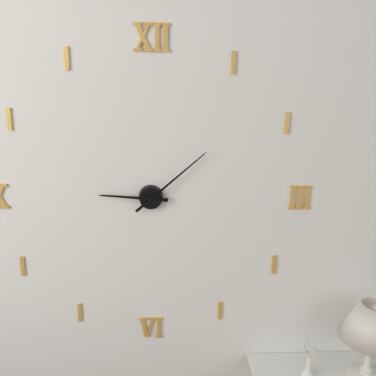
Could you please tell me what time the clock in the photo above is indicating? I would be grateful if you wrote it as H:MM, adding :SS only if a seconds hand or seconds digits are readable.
9:08
